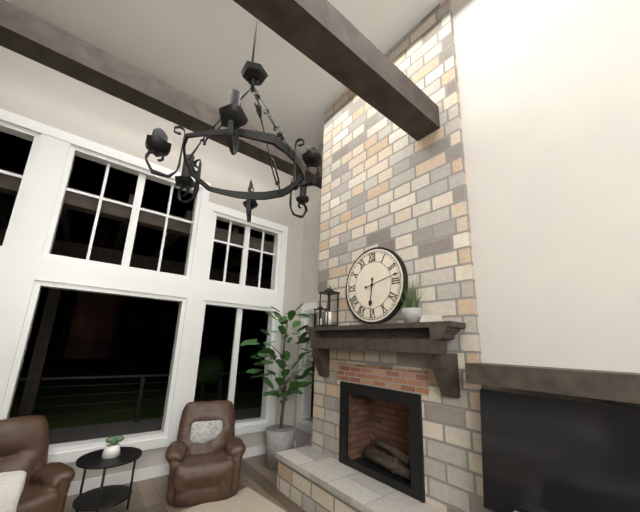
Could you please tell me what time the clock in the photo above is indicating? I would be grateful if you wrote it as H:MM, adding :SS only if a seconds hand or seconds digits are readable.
6:13
